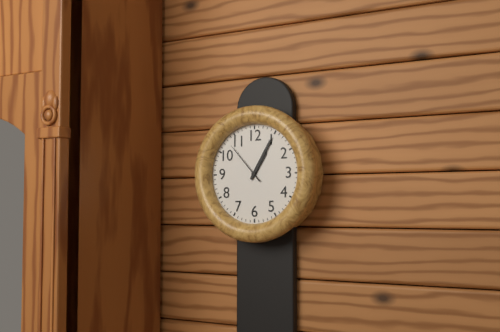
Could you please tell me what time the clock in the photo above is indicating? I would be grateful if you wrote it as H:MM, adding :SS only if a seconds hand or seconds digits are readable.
1:05
